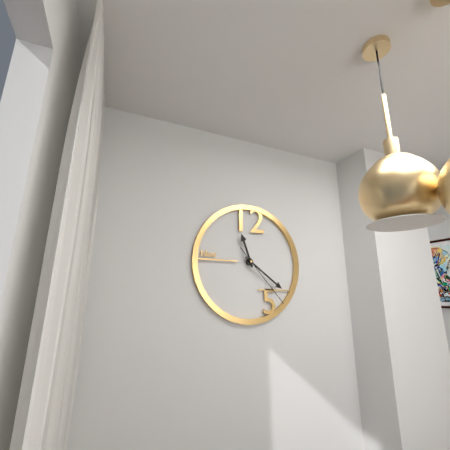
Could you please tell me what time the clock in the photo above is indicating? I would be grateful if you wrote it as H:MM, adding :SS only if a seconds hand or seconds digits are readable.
11:21:23
